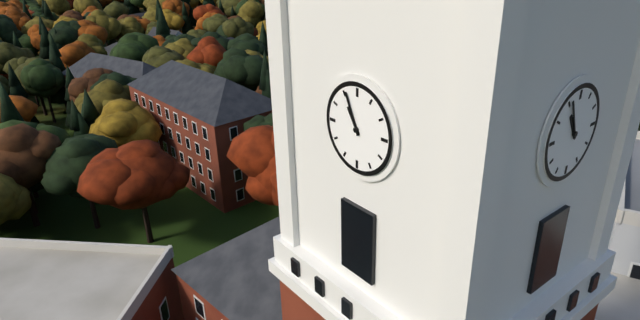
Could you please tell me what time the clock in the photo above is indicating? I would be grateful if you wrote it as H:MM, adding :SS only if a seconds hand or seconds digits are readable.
10:56
